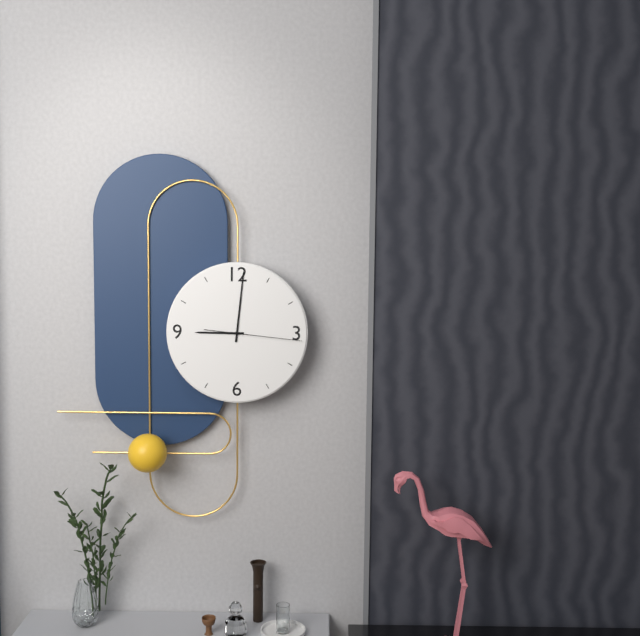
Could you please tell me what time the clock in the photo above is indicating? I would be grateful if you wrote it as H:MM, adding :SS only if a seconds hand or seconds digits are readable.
9:01:16
